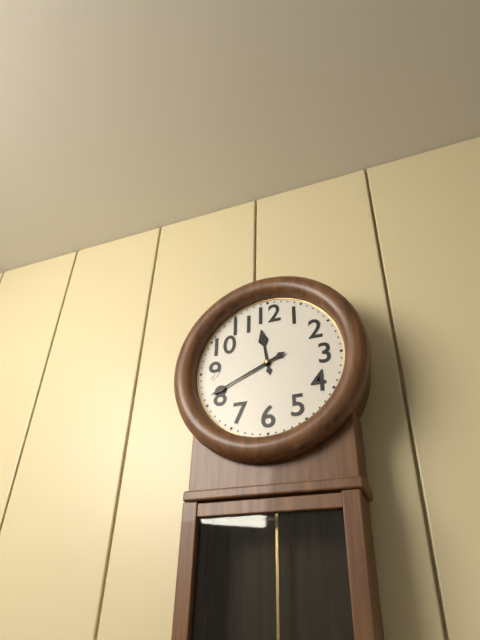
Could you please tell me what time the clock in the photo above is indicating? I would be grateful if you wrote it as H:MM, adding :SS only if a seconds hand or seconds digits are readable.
11:41
